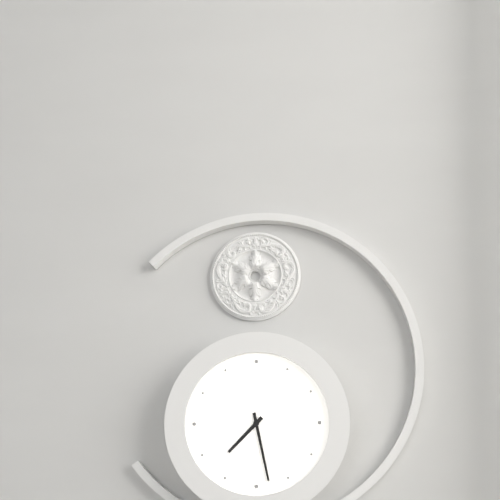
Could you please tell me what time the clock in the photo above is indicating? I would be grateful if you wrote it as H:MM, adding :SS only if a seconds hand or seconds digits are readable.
7:28
